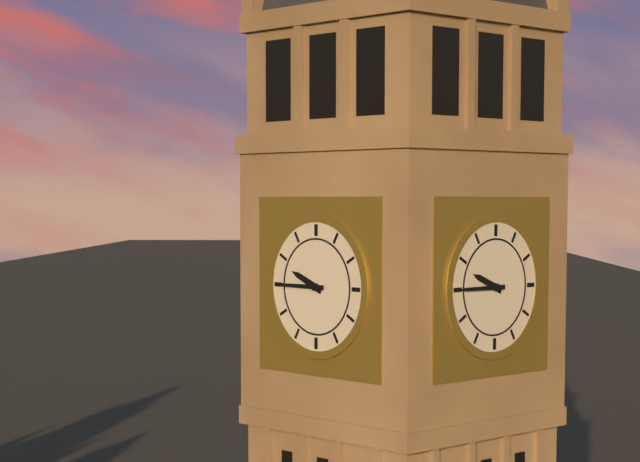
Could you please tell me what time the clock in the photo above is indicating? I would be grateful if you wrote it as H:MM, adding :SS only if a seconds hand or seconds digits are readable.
9:45
